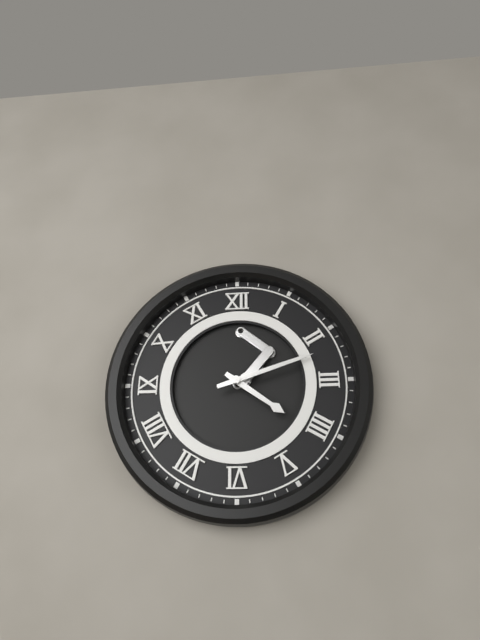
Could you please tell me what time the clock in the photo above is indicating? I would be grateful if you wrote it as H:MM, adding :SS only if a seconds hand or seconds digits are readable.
4:12
